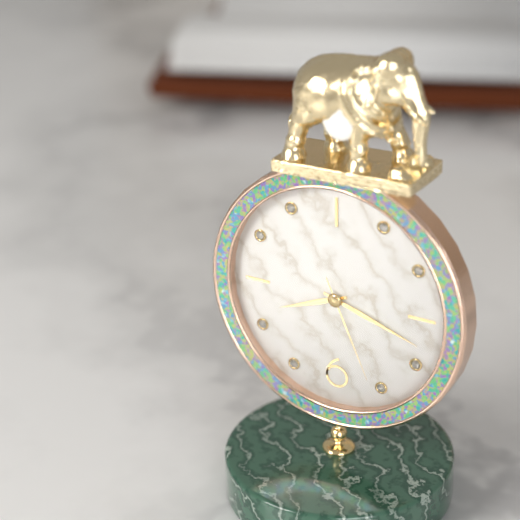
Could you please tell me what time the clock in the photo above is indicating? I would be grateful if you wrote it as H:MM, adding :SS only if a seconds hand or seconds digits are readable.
8:18:26
